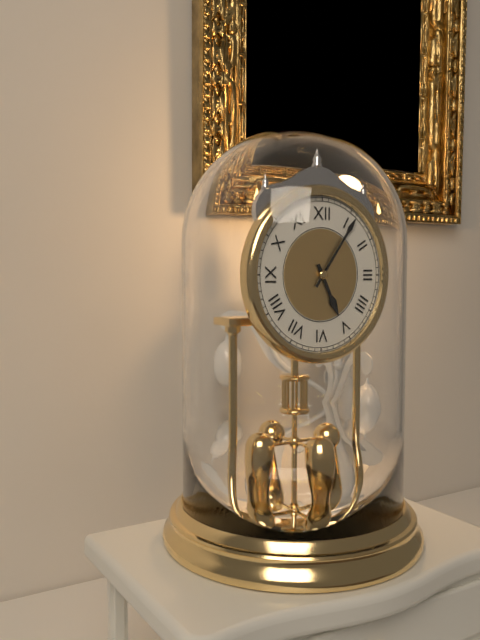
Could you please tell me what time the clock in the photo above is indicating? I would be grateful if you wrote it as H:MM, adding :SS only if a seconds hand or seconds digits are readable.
5:06
